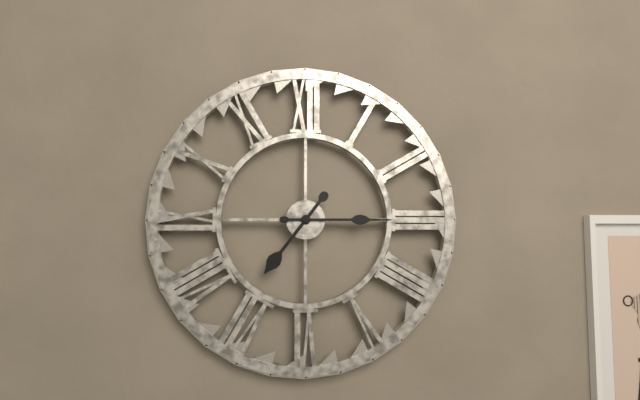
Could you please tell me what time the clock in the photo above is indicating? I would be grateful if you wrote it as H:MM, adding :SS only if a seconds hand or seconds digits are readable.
7:15
